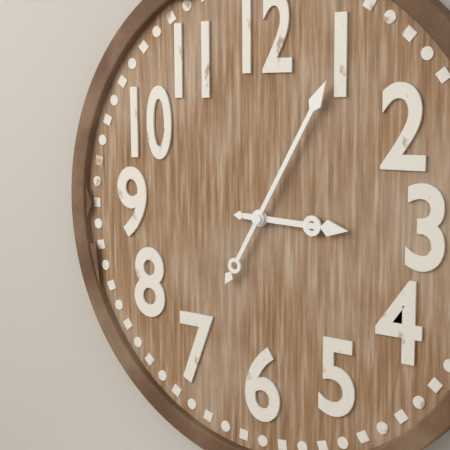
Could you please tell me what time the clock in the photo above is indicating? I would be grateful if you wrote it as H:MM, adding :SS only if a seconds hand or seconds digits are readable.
3:05
